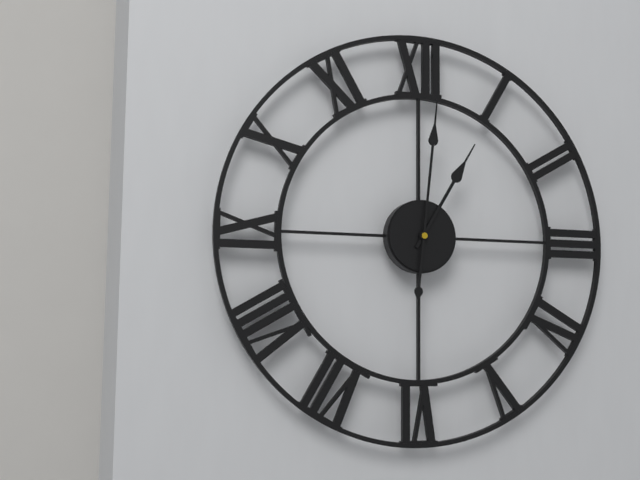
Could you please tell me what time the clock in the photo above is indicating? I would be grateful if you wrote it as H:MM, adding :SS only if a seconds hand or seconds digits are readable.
1:01
